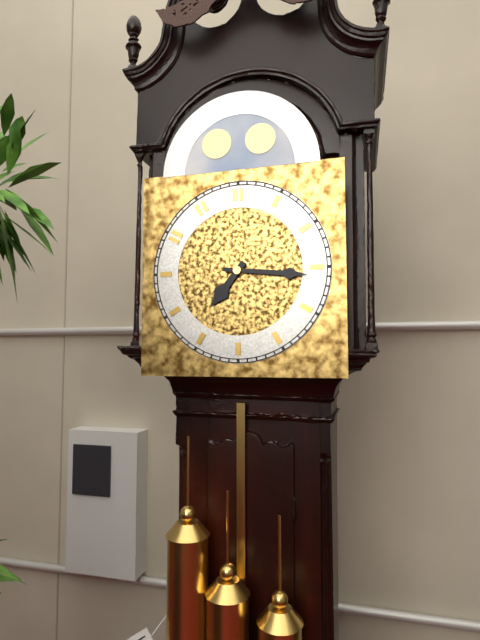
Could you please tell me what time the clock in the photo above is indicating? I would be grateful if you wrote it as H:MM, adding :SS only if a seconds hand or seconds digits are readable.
7:16
